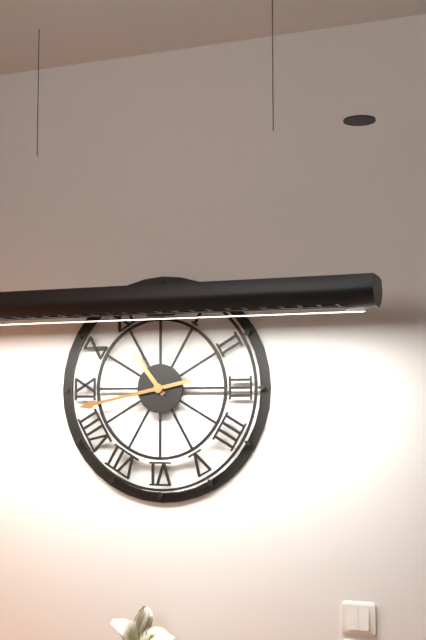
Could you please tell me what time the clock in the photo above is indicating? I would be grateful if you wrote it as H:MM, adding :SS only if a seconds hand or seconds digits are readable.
10:43
